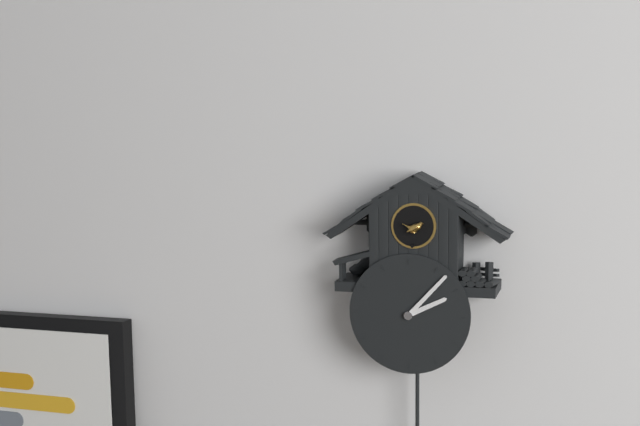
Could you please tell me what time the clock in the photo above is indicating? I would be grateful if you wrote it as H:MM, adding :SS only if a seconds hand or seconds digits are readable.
2:07
